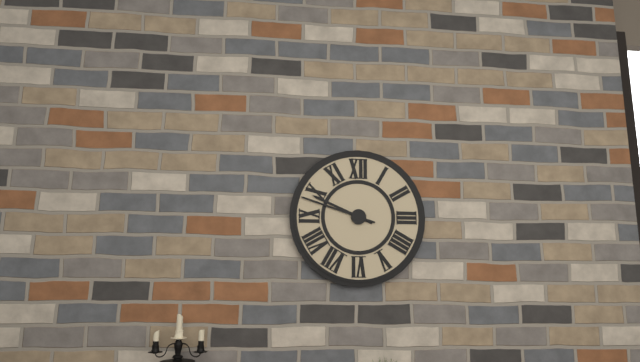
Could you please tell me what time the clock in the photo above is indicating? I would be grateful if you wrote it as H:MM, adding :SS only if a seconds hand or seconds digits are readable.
9:48
